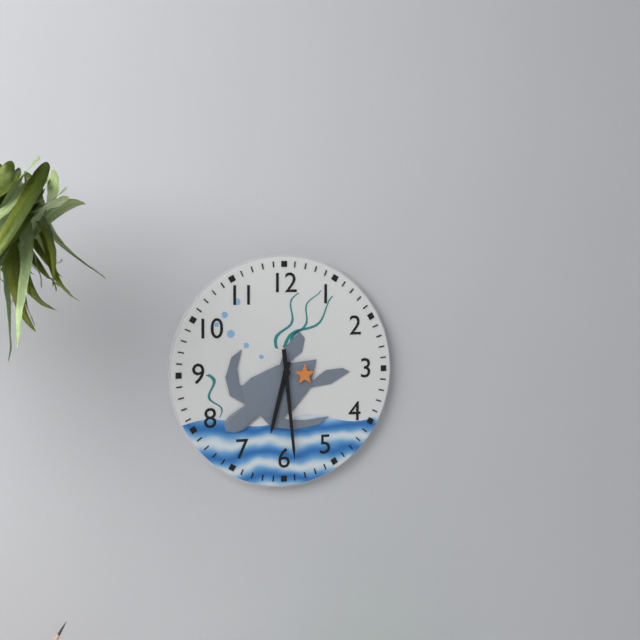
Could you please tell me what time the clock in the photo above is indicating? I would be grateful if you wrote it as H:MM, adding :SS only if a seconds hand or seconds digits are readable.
6:29
